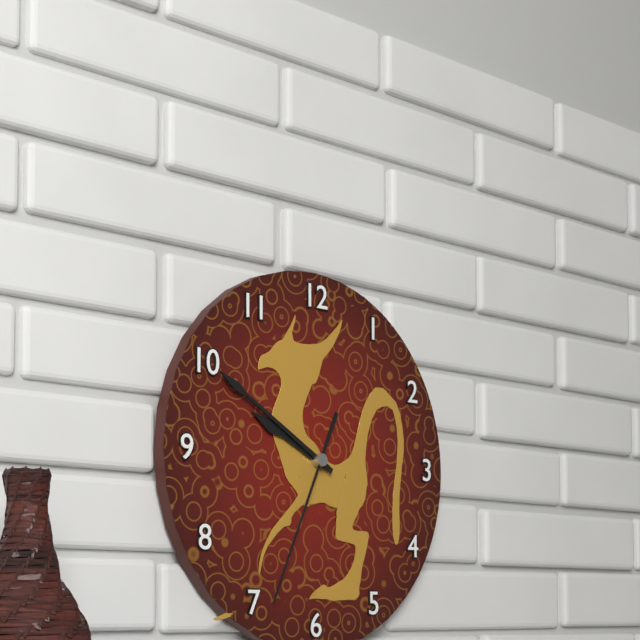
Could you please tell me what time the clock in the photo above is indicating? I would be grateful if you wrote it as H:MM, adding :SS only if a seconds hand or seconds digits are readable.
9:50:34
